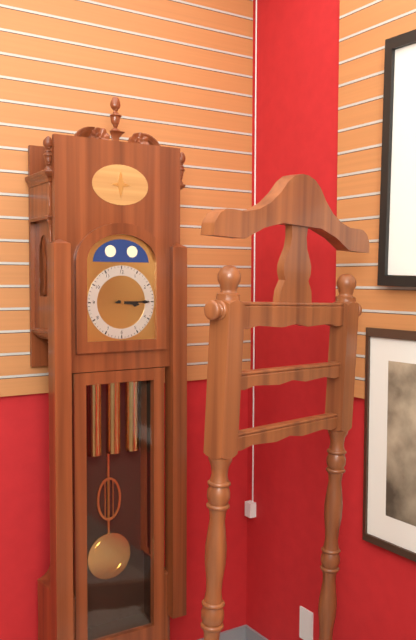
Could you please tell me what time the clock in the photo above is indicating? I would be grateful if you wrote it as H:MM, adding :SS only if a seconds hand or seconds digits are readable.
3:15
